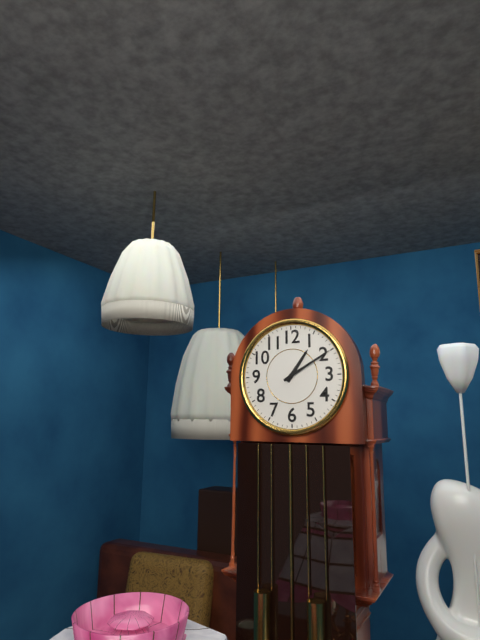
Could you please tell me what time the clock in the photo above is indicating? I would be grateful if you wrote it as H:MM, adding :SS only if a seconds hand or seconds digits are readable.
1:10
